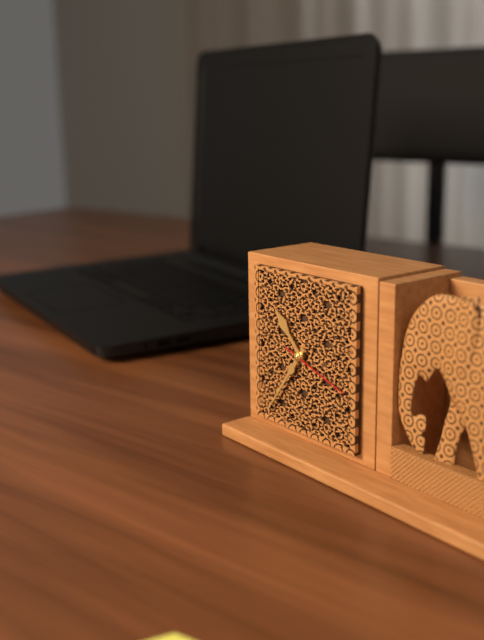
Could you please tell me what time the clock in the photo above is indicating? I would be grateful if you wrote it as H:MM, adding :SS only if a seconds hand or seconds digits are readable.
10:36:18
